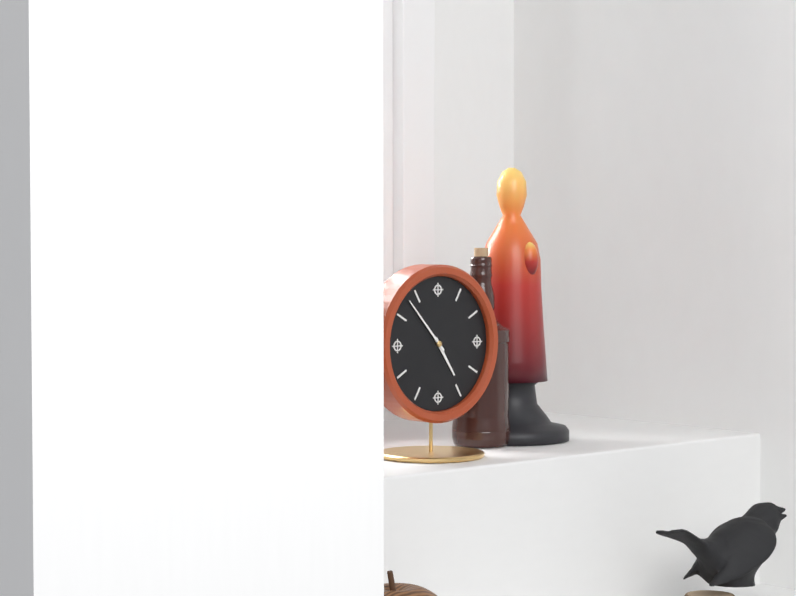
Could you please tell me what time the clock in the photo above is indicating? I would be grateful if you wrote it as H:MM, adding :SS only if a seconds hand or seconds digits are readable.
4:53
